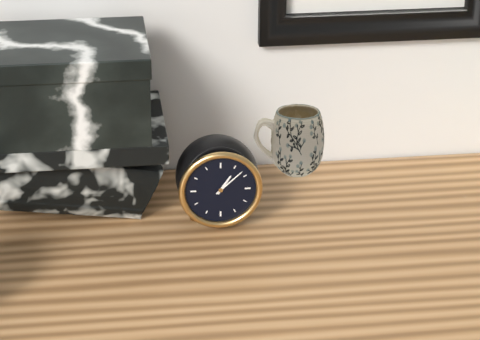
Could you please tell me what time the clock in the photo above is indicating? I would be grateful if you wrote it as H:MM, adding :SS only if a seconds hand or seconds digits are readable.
1:08
